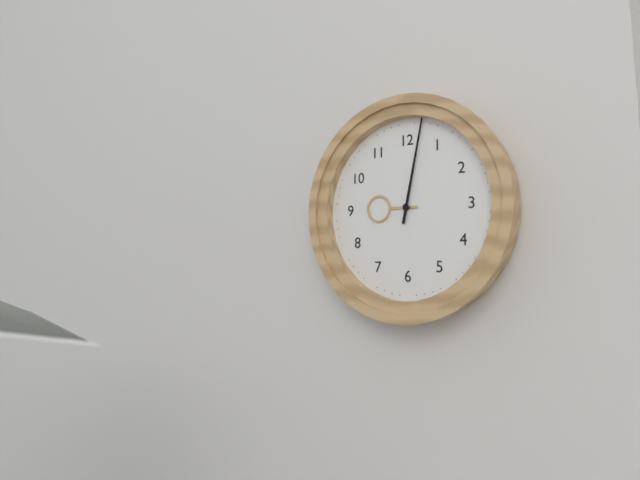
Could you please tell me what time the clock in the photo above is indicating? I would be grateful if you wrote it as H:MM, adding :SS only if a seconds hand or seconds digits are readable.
9:02
